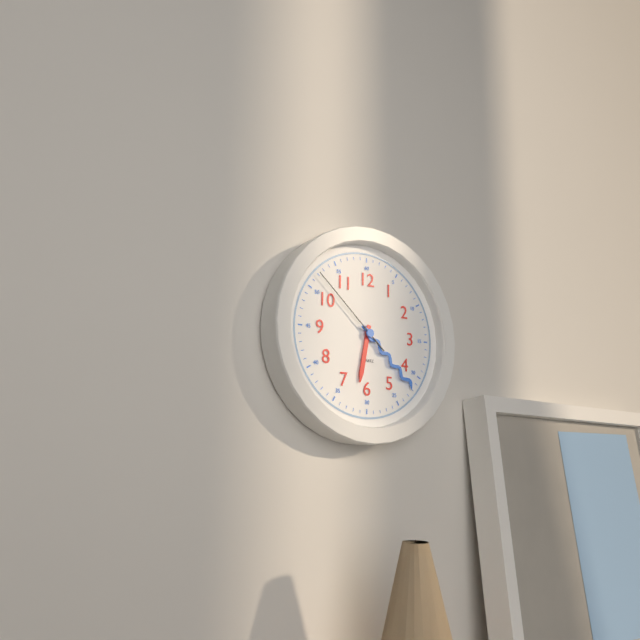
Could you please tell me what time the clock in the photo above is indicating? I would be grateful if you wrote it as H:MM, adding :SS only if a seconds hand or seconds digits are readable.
6:22:52
